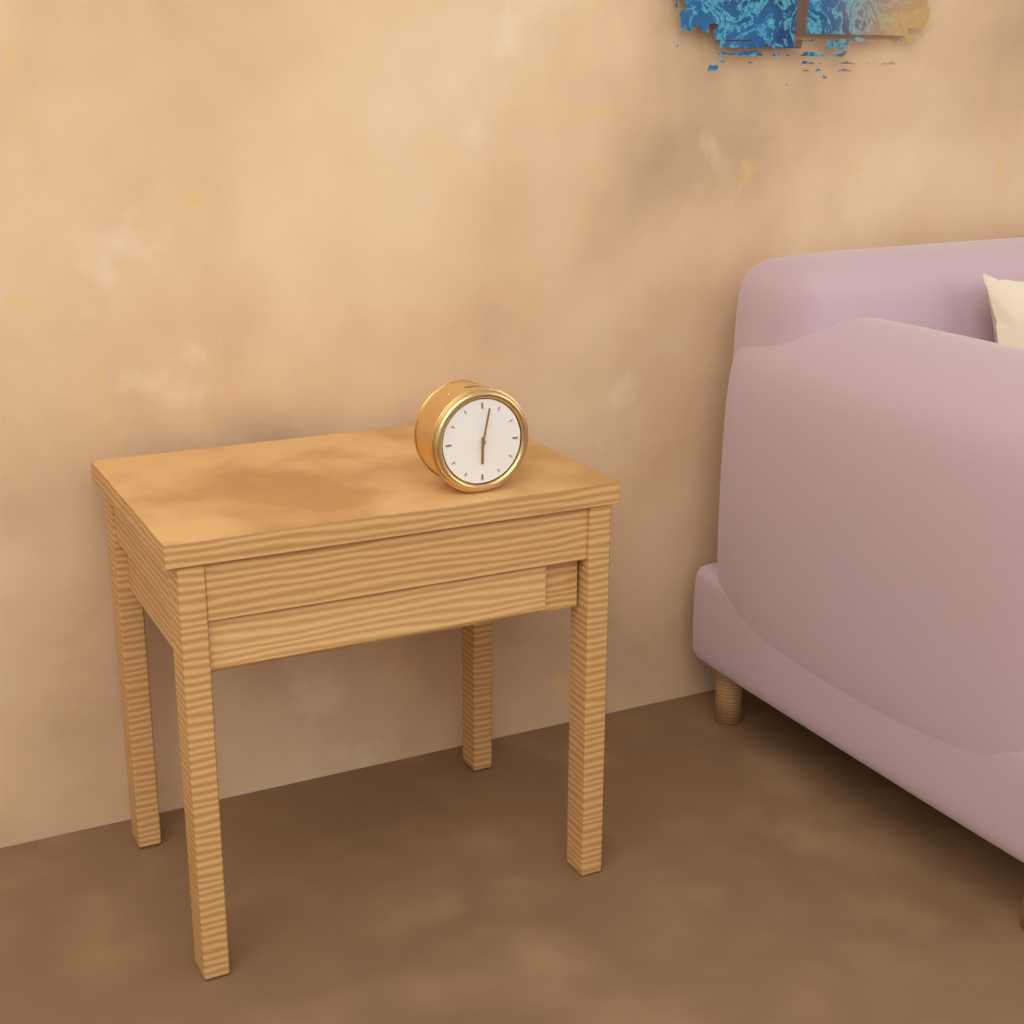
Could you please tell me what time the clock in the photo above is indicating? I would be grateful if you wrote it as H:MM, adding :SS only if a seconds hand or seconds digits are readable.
6:02
